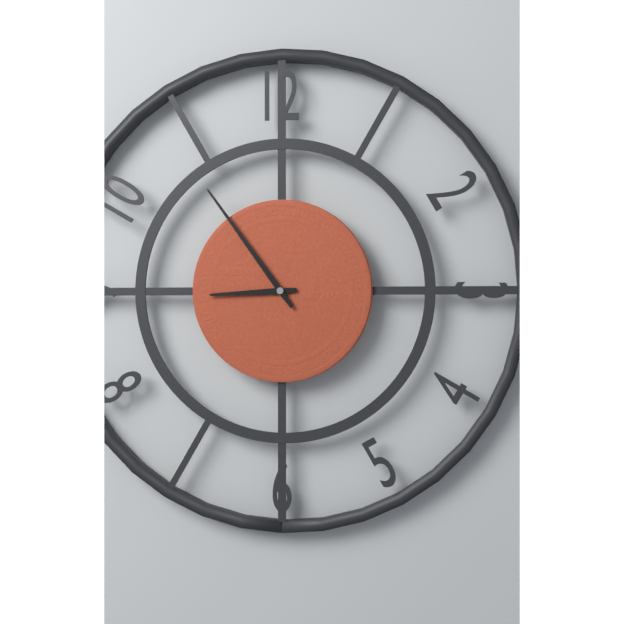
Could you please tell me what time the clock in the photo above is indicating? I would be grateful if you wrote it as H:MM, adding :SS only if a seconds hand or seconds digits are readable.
8:54
